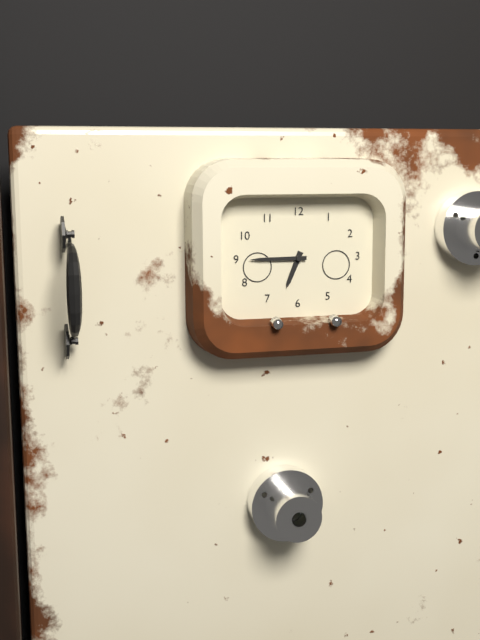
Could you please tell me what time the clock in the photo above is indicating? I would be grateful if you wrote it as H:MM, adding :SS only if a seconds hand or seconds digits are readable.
6:45
